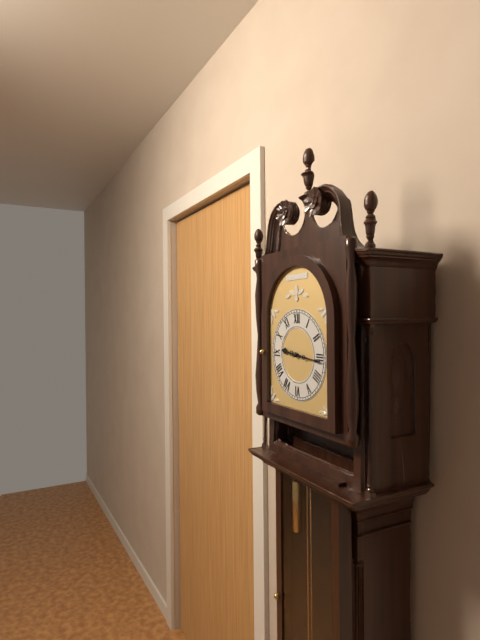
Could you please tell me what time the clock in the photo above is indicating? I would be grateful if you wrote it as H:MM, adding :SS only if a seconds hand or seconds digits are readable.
9:16
